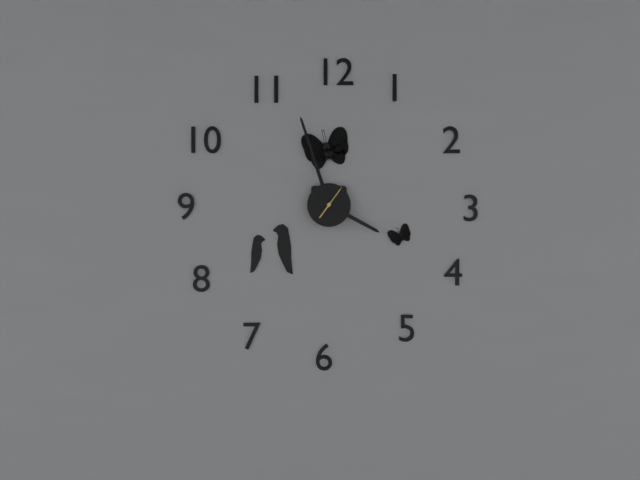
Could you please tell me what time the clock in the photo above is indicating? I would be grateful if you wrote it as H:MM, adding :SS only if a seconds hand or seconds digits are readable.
3:57
